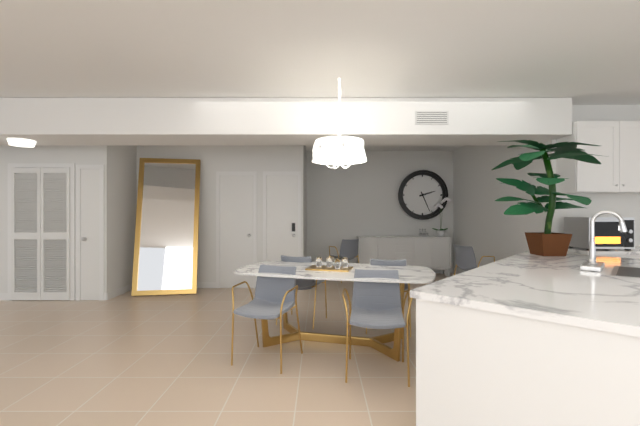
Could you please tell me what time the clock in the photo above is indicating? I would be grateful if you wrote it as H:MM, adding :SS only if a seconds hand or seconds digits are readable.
2:26
